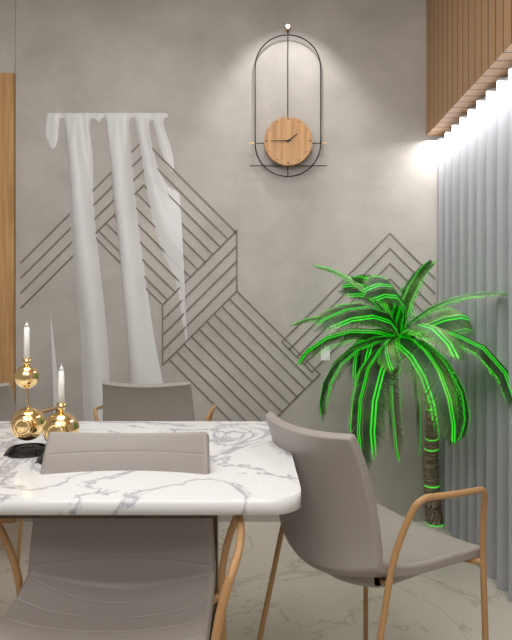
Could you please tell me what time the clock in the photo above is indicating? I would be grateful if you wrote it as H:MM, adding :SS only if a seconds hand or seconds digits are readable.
1:45
